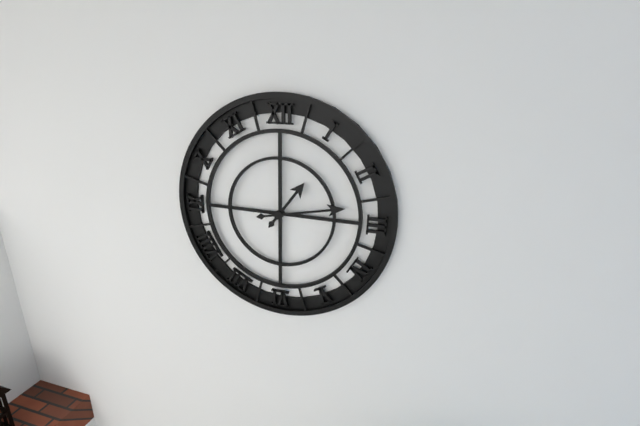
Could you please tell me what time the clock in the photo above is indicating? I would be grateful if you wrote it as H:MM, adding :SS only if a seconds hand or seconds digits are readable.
1:13
